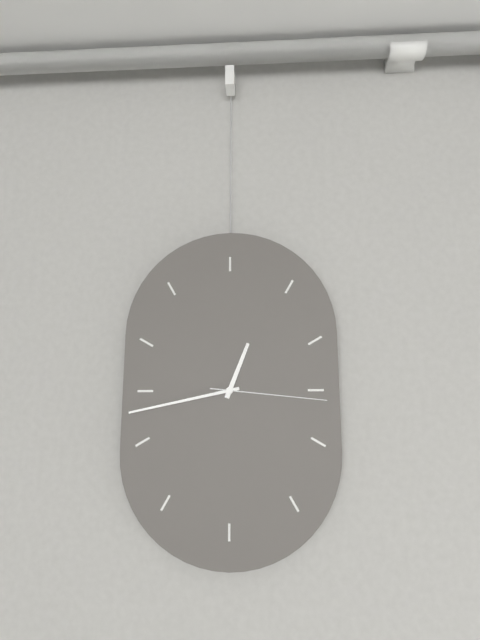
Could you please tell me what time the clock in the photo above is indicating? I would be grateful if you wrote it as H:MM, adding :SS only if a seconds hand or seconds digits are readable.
12:43:16
